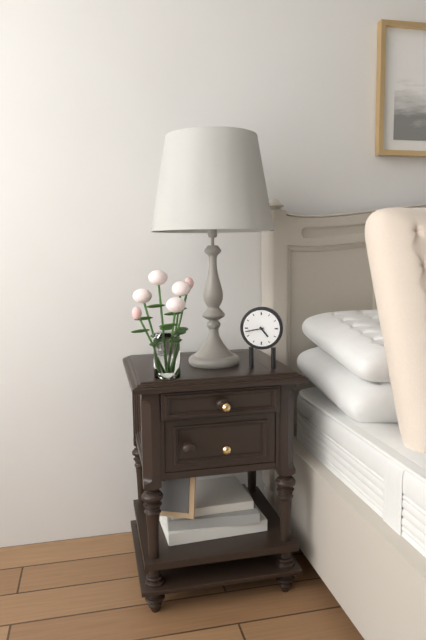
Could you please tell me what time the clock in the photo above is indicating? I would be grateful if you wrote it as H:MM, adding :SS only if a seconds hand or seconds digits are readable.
4:43
